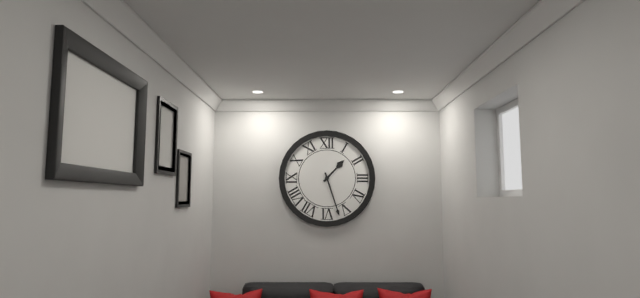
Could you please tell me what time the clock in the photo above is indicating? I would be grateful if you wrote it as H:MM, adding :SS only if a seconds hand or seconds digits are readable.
1:27
